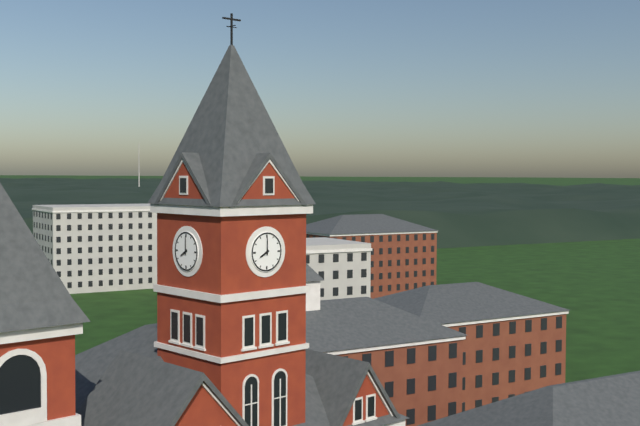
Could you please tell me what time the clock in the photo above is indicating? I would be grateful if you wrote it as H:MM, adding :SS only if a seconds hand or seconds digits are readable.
8:00
